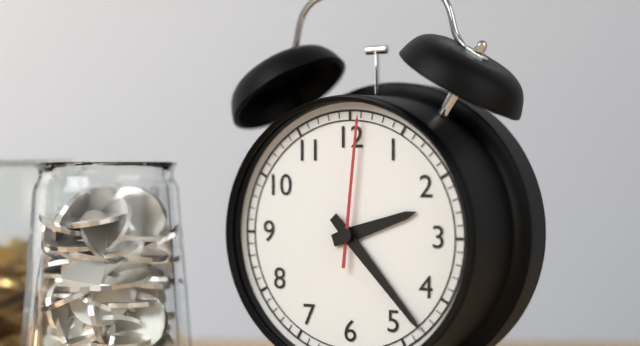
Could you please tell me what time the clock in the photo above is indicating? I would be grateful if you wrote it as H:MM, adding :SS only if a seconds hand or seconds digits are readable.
2:23:01
